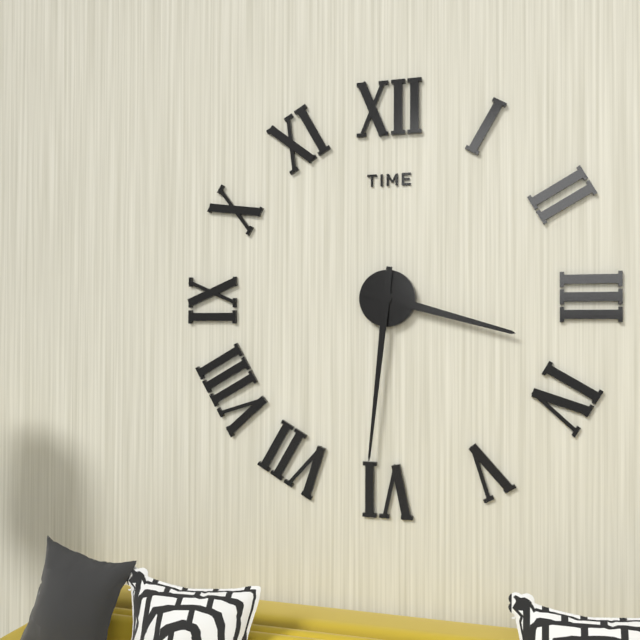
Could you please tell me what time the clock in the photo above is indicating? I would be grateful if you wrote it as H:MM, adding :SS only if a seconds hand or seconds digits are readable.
3:31
